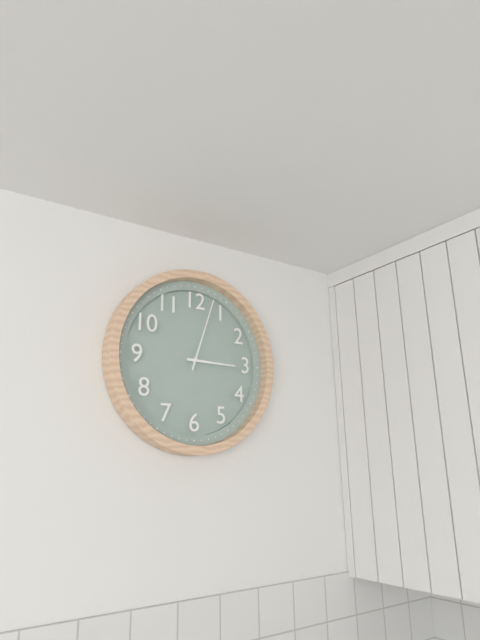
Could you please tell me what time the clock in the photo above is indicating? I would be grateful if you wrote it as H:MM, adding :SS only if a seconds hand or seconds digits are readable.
3:03
